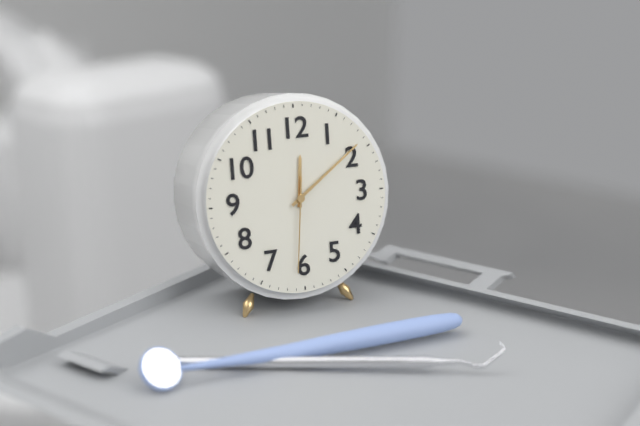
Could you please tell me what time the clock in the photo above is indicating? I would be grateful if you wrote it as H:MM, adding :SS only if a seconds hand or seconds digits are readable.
12:09:31
